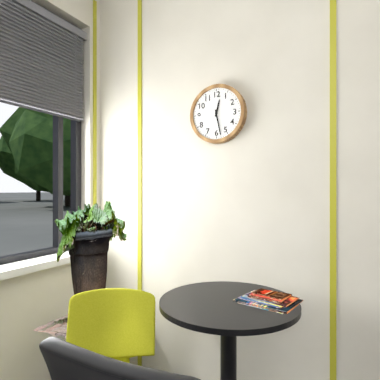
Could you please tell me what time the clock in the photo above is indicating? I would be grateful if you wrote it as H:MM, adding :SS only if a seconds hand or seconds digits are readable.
12:28
